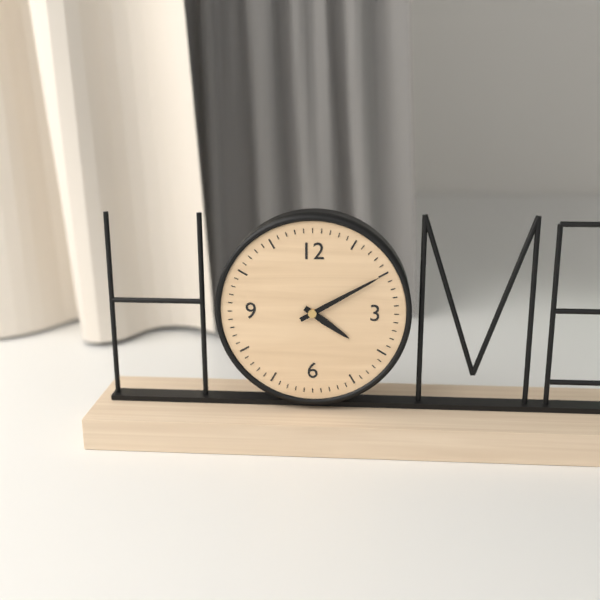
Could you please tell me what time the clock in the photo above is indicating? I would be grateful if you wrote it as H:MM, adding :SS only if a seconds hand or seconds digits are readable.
4:10
